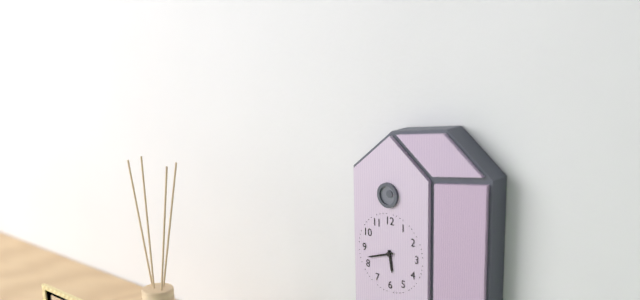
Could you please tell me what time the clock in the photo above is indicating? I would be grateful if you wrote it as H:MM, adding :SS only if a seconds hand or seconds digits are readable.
5:42
